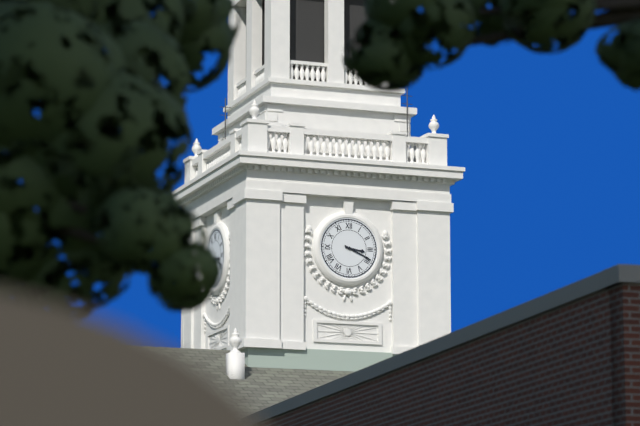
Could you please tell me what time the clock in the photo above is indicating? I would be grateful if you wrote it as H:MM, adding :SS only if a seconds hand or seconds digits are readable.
3:19
